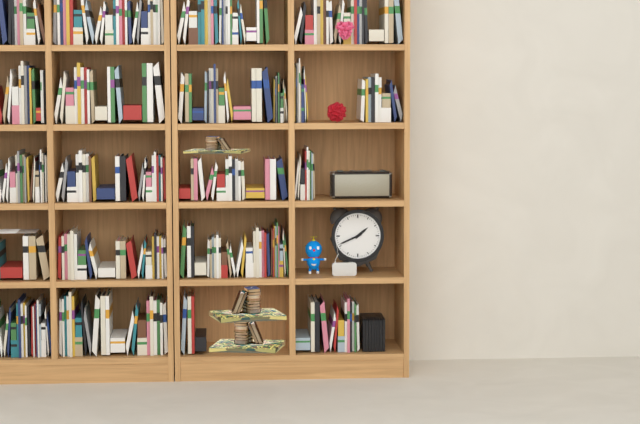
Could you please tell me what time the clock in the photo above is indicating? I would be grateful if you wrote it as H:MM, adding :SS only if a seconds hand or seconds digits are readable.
1:41
